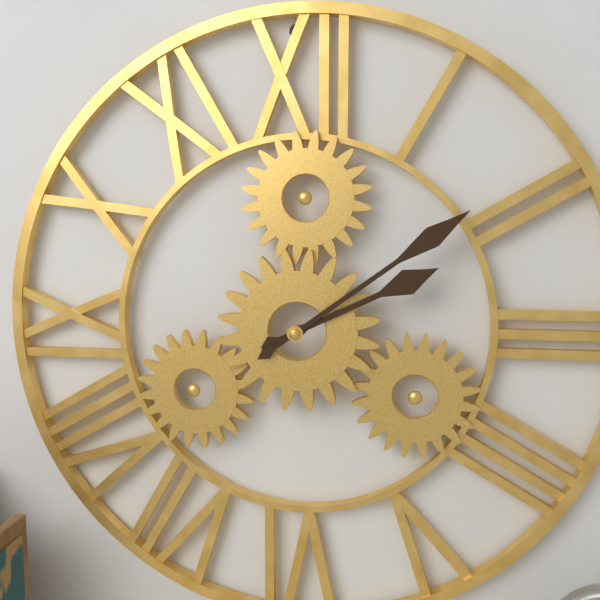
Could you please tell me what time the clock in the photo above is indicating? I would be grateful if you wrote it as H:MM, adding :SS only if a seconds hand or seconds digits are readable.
2:09
